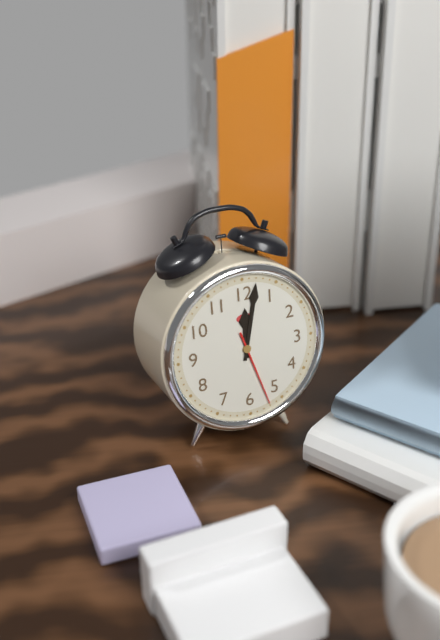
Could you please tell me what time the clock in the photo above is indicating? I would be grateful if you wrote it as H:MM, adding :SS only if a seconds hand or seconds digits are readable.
12:02:27
